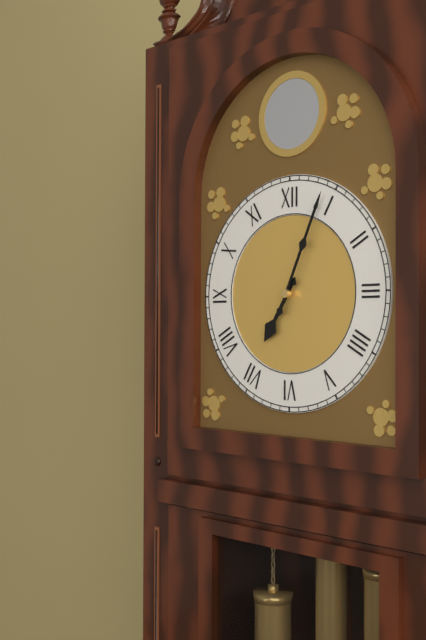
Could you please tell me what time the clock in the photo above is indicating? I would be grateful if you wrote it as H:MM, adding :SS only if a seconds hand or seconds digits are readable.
7:04
